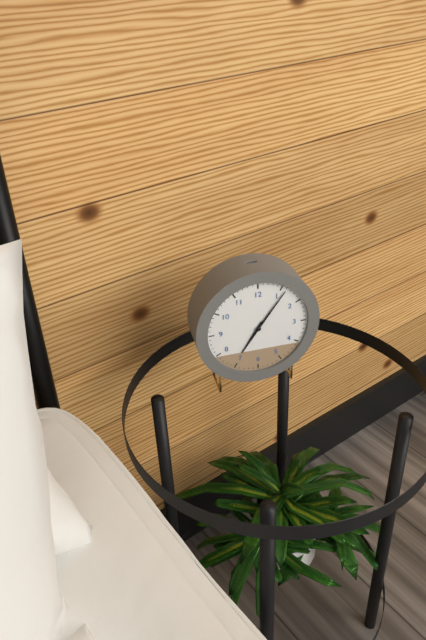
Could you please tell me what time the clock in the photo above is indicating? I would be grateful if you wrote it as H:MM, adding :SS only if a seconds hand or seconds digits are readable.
7:06
